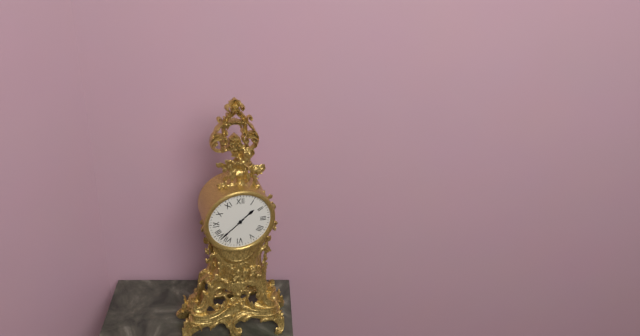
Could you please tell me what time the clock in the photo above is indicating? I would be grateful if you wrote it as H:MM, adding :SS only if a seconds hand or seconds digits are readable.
1:38
